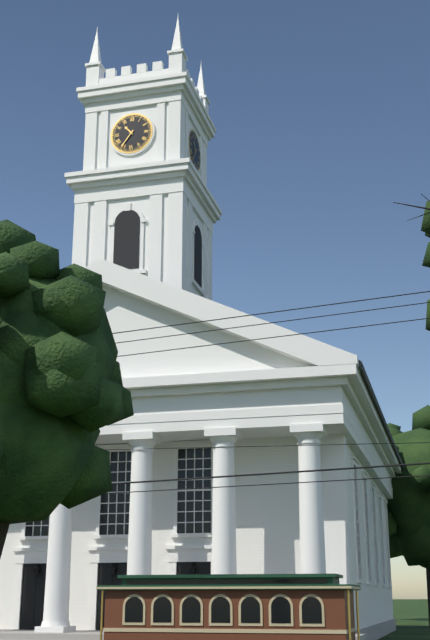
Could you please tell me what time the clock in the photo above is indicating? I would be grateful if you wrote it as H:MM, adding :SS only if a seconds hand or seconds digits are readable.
10:36
